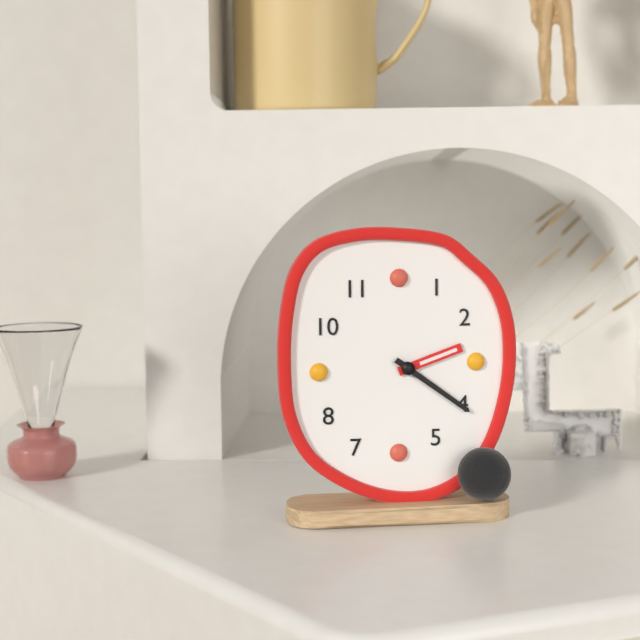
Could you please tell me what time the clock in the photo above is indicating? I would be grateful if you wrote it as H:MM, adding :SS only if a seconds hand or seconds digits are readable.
2:21
